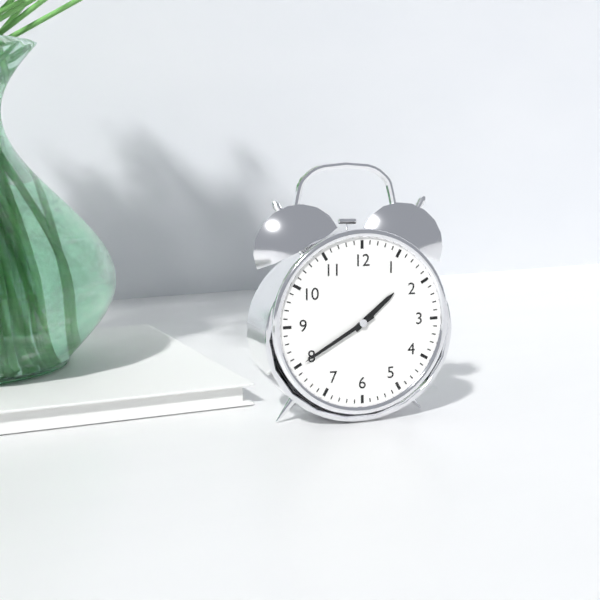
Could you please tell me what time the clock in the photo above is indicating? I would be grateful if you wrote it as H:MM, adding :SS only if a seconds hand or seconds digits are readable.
1:40
